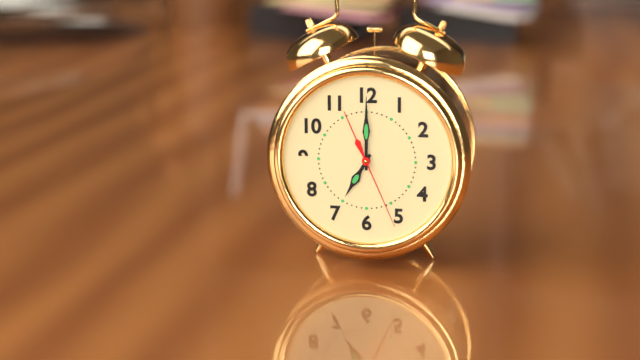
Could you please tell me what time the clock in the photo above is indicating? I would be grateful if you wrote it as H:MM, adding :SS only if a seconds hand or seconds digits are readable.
7:00:26
